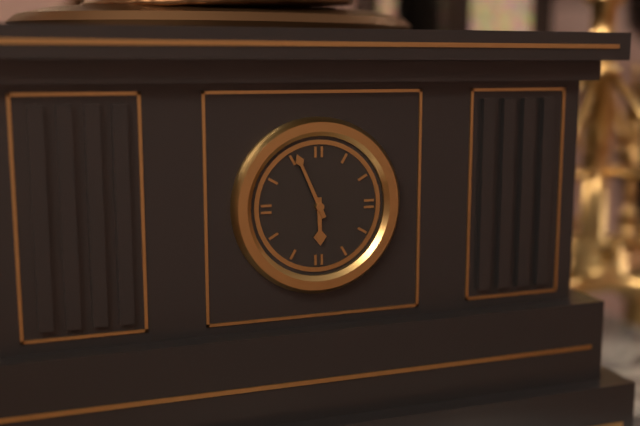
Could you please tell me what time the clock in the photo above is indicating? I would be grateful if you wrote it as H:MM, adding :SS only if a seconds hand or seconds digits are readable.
5:56
